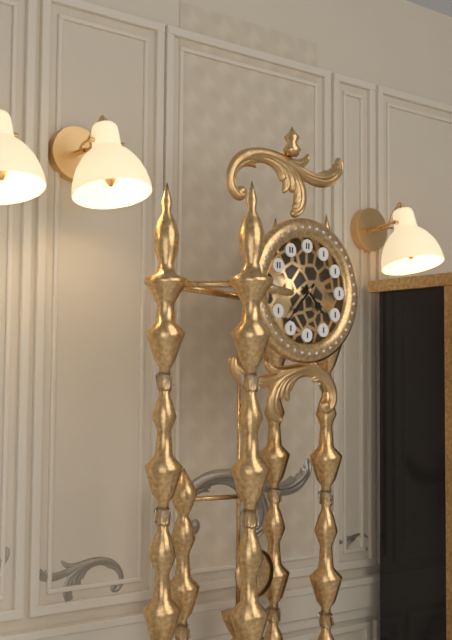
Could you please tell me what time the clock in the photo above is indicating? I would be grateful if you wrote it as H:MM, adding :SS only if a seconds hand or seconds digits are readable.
4:37
